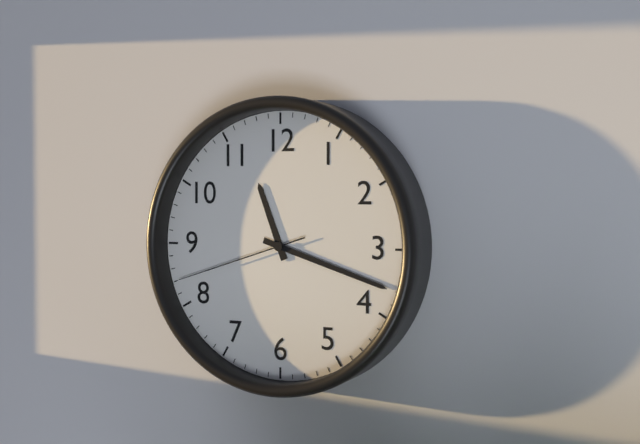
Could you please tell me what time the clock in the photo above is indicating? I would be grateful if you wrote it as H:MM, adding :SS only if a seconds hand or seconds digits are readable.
11:18:42
